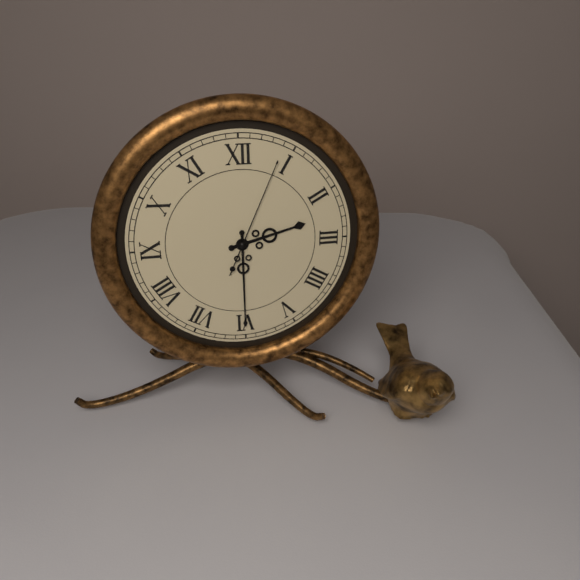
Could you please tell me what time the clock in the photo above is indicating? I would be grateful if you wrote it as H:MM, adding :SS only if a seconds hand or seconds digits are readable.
2:30:04
